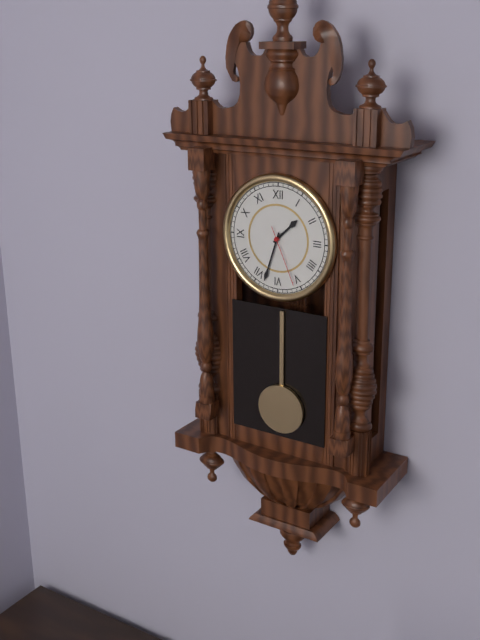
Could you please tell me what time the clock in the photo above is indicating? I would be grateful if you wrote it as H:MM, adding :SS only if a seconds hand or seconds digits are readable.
1:33:26
